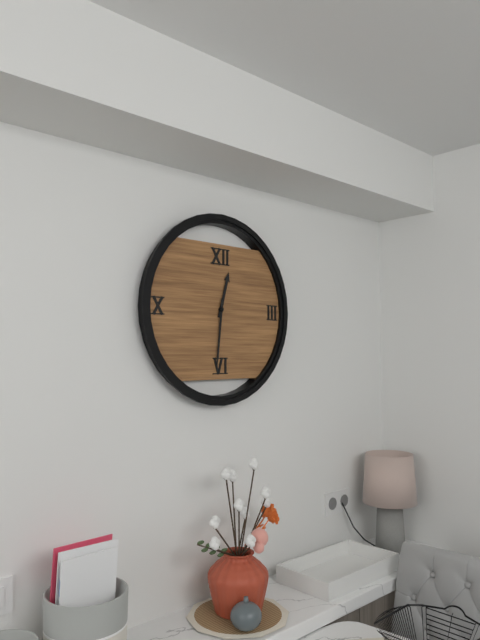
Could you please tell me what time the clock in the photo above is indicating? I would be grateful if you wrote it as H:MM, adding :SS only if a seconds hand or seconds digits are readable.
12:31
